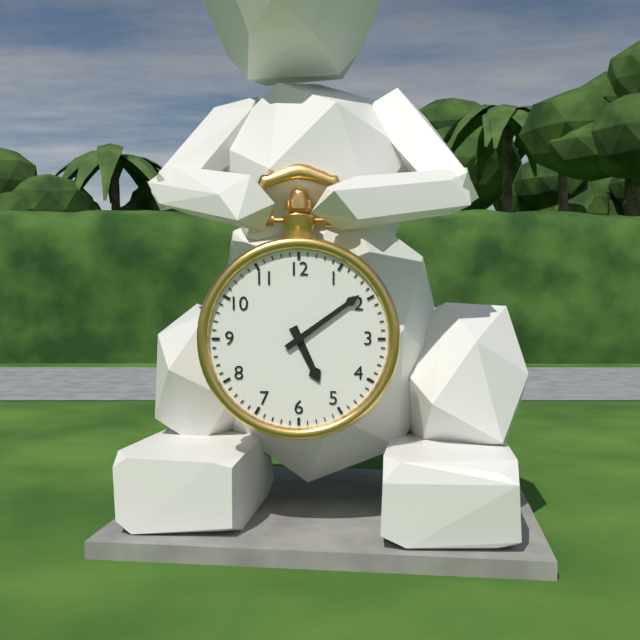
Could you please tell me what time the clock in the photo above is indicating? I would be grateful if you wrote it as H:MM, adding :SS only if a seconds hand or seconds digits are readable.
5:09
